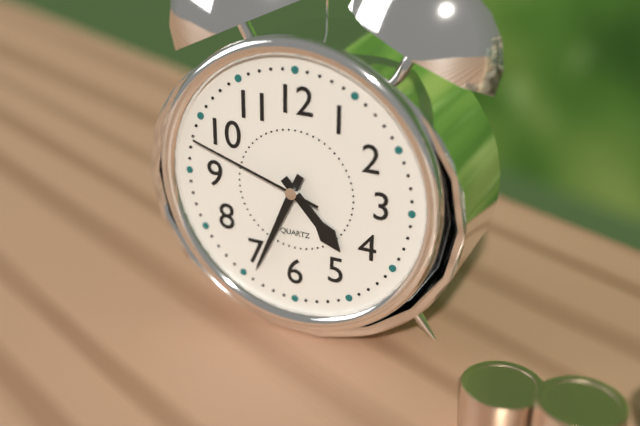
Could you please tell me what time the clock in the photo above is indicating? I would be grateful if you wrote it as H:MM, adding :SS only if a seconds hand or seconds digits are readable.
4:34:48
